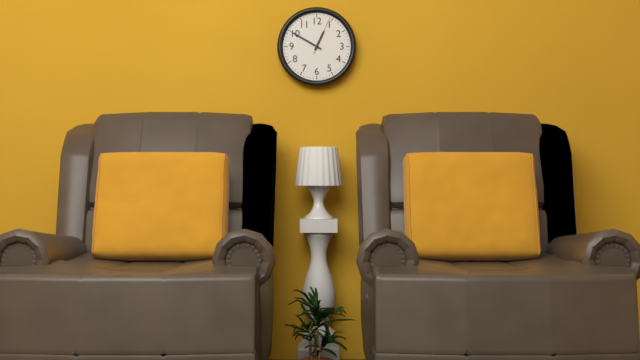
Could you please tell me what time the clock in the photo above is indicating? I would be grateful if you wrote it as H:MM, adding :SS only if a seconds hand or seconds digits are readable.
12:50
